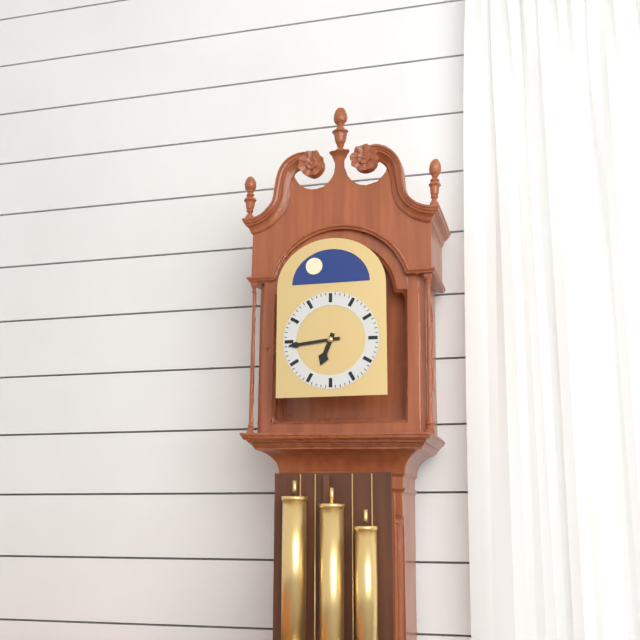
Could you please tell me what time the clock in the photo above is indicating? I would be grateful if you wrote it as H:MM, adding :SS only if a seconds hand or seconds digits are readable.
6:44
